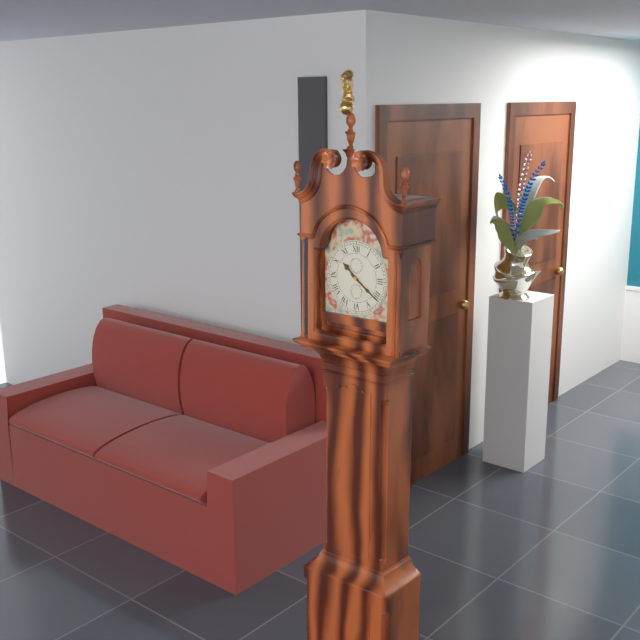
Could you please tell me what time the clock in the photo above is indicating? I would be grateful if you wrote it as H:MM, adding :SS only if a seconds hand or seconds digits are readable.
10:21
